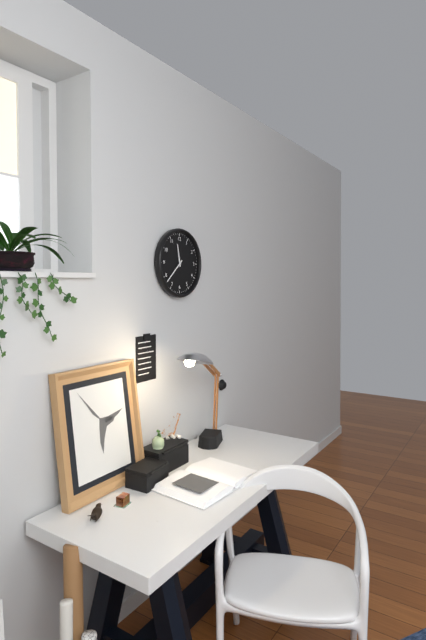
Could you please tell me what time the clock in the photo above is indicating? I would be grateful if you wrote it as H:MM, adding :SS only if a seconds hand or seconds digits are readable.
11:38
